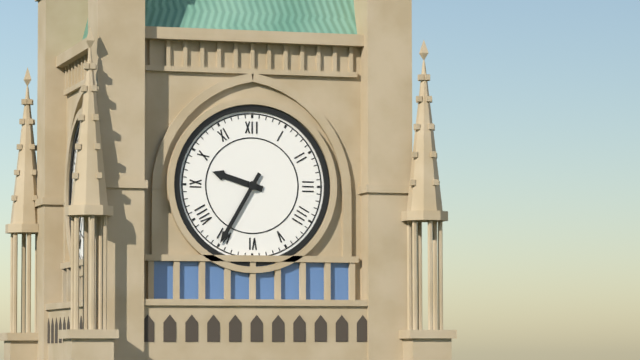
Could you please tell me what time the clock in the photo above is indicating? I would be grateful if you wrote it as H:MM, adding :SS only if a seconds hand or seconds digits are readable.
9:35
